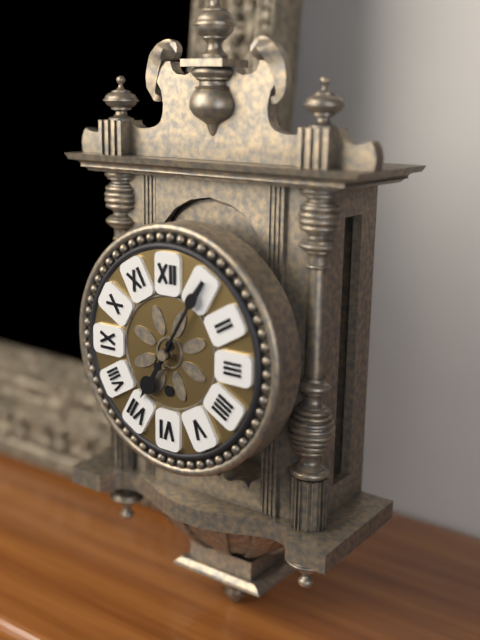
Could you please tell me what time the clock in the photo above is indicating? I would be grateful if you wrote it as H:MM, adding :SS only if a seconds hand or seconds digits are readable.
7:05
